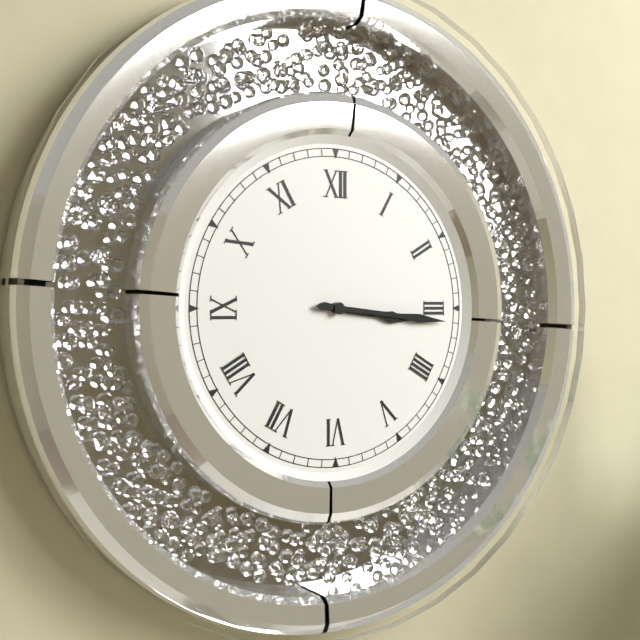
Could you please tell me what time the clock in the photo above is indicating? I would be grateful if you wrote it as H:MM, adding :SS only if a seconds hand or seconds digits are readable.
3:16
